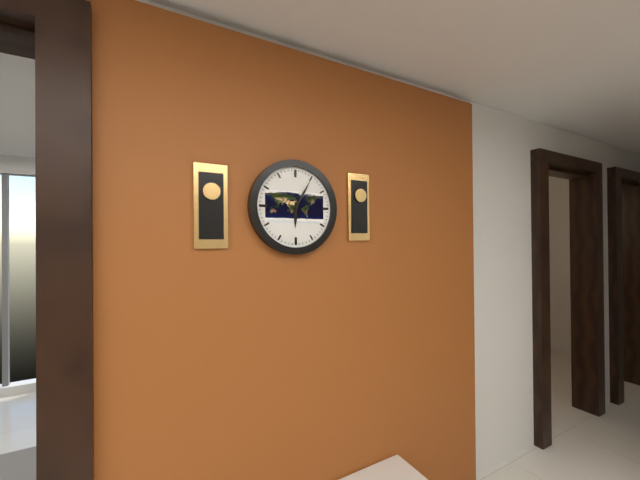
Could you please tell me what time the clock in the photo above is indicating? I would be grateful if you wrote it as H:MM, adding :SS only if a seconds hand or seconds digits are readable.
6:05
